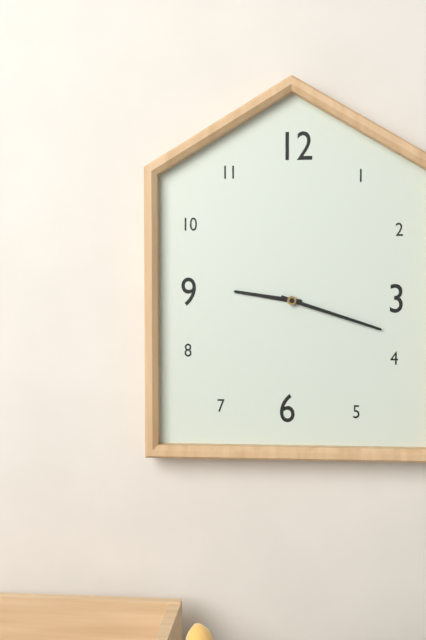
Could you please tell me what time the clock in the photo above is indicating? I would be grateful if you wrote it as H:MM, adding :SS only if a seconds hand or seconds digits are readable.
9:18
